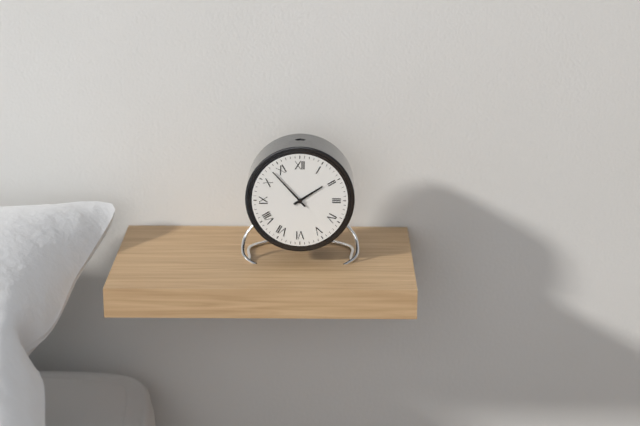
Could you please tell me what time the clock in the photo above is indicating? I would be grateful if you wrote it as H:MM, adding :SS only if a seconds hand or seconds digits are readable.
1:53
